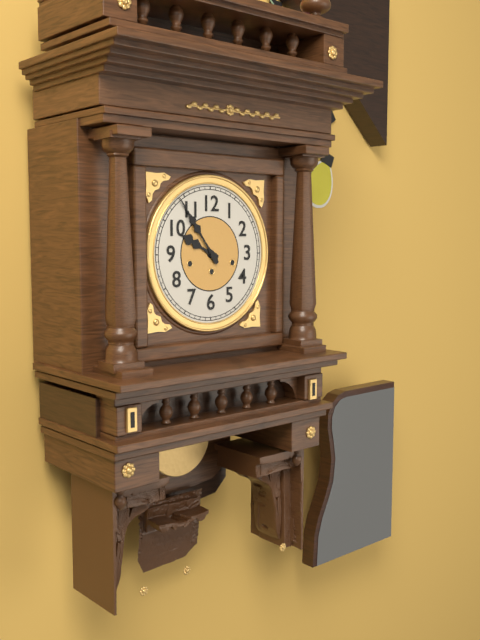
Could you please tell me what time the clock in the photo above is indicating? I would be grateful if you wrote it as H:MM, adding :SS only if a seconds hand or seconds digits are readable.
9:54
